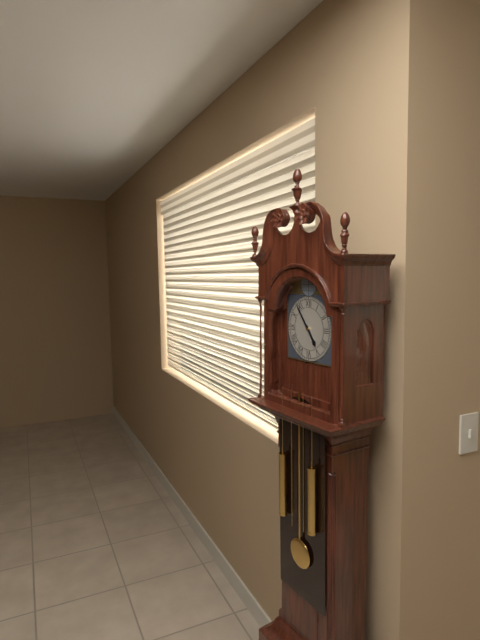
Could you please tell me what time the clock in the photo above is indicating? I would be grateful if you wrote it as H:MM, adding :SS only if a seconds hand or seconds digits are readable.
4:54
